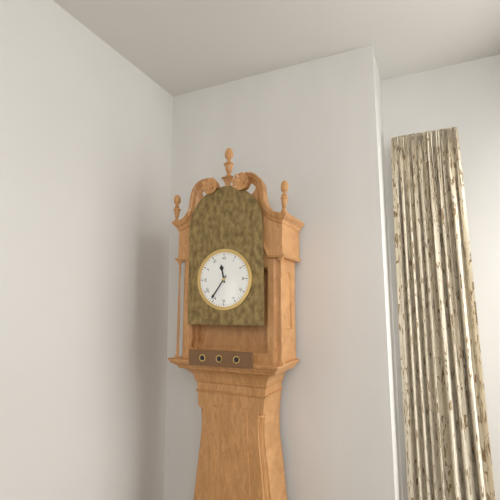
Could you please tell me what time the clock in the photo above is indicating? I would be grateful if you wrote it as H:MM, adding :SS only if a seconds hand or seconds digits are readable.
11:36
